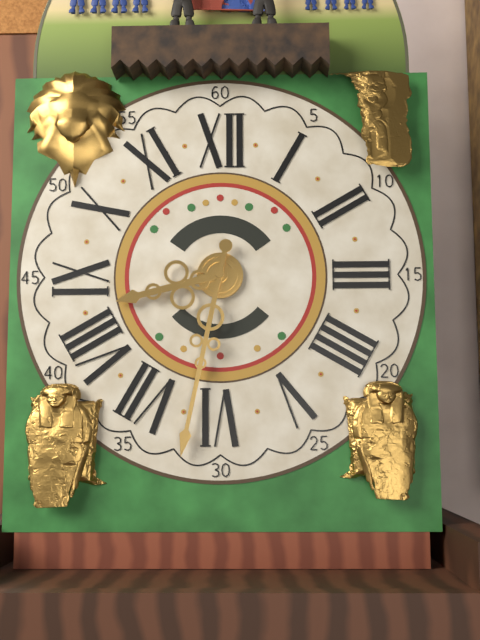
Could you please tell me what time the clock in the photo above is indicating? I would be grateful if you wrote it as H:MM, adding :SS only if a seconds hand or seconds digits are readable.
8:32
